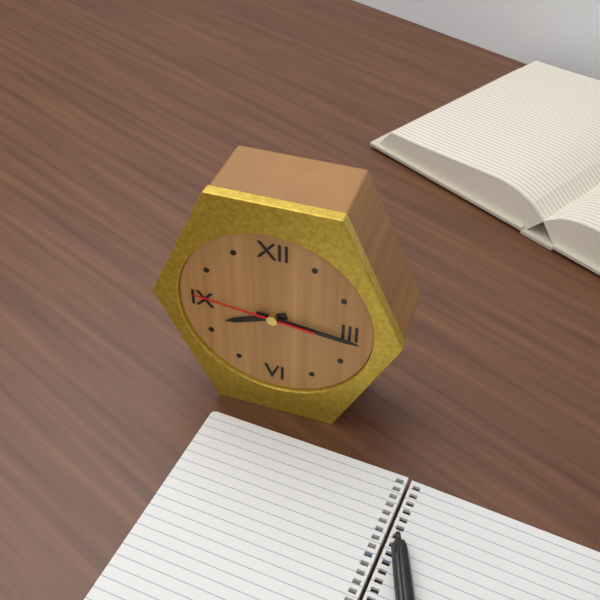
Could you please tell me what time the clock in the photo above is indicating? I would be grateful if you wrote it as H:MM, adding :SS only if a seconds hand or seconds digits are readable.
8:16:46
